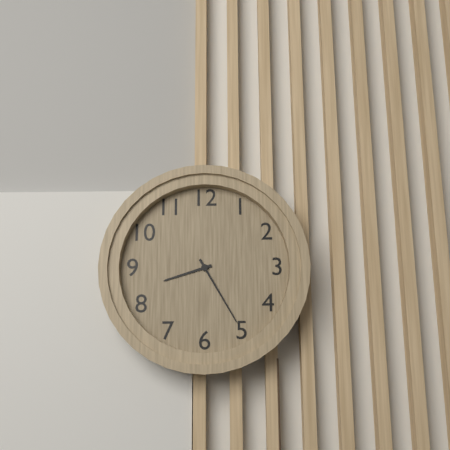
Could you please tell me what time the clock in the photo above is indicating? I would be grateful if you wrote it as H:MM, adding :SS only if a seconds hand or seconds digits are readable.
8:25
